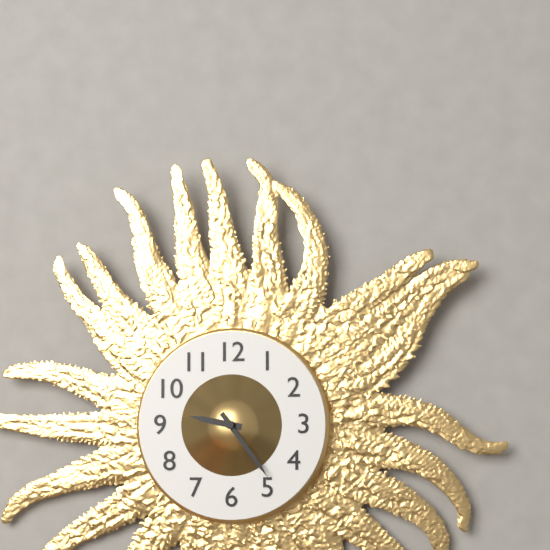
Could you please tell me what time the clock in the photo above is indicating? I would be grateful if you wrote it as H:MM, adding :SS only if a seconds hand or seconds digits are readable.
9:24
